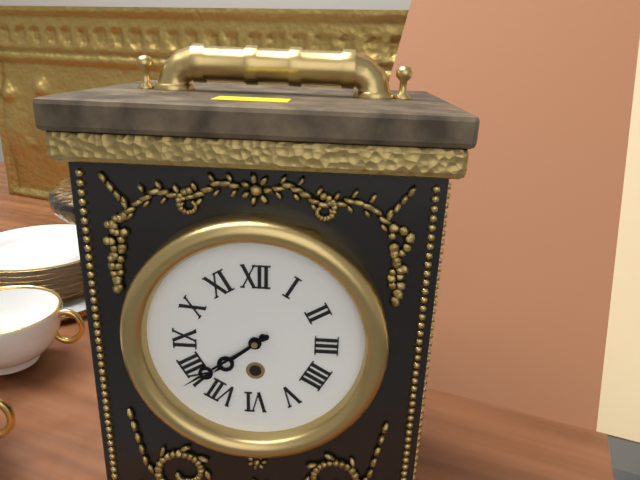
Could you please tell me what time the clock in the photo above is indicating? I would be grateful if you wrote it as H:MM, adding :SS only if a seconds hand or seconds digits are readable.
7:39
